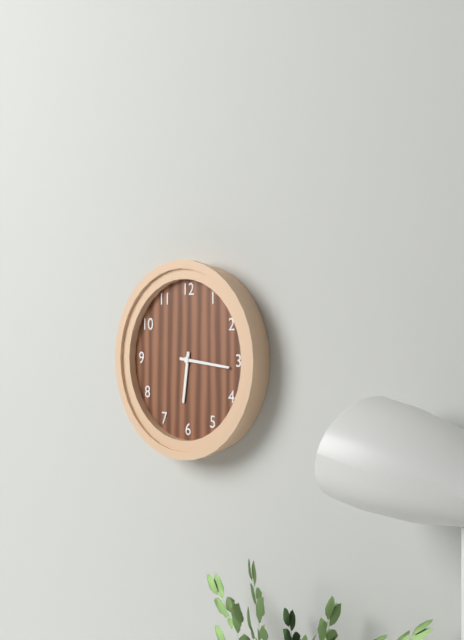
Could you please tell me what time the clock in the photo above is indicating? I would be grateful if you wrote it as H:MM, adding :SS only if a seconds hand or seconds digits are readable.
6:16
